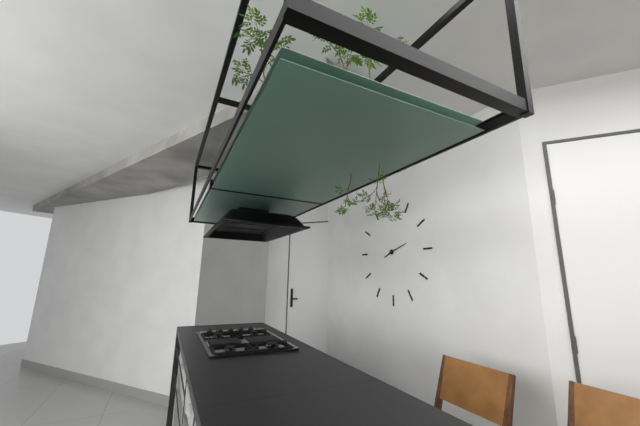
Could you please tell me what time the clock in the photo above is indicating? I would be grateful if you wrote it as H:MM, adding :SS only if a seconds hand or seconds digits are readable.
8:12
